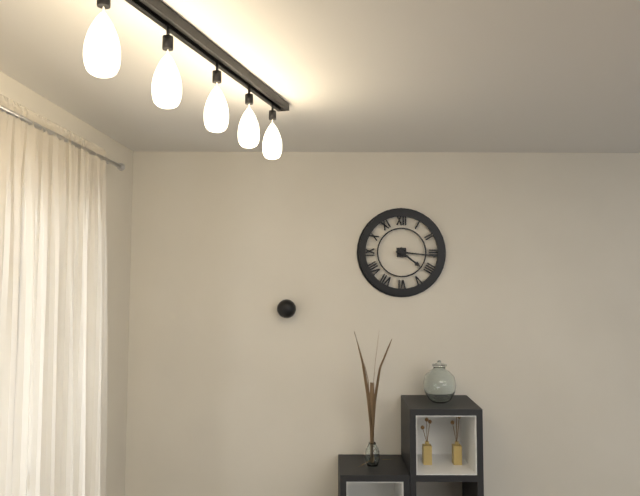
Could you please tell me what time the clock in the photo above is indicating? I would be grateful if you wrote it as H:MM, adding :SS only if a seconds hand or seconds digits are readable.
4:16
